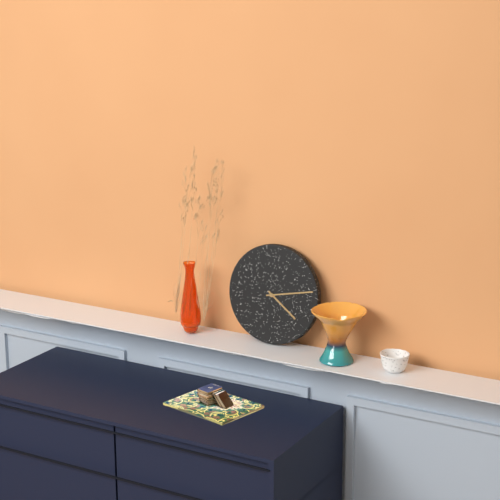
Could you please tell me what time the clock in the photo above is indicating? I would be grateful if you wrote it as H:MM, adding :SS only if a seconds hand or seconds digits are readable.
4:13
